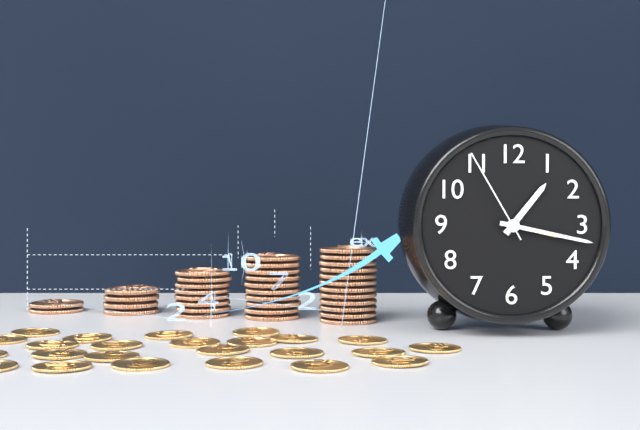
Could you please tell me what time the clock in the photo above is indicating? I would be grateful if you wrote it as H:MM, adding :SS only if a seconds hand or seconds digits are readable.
1:17:55
